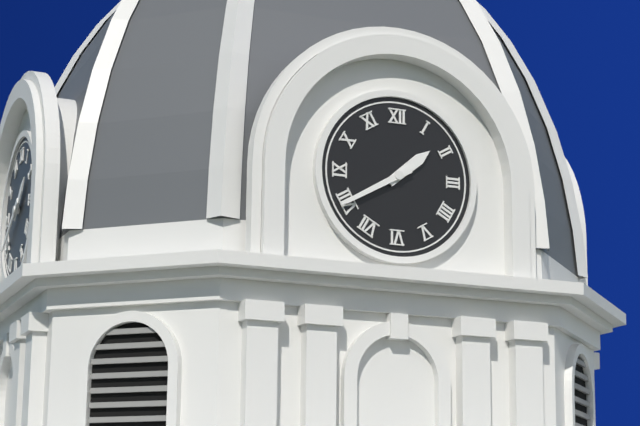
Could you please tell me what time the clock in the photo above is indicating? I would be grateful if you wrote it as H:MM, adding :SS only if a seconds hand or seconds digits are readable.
1:40
